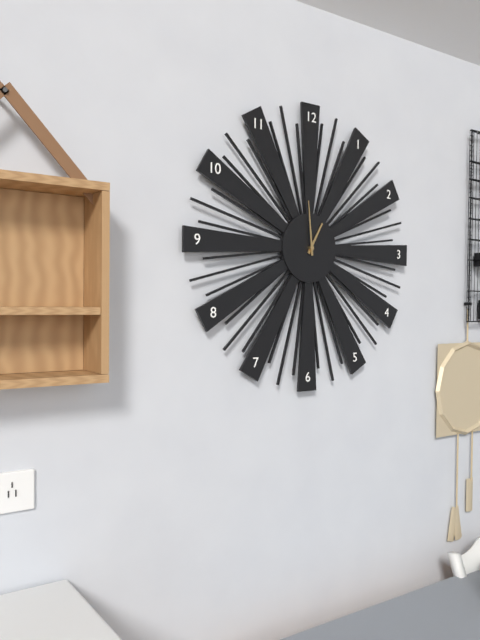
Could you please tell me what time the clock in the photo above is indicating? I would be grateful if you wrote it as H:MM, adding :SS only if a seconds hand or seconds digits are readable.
12:59
